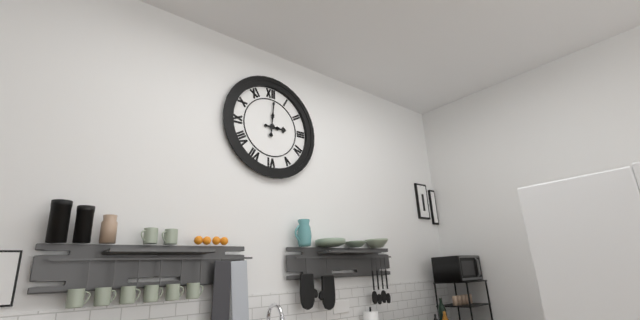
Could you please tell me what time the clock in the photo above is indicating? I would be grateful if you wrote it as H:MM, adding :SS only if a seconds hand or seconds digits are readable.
3:01
